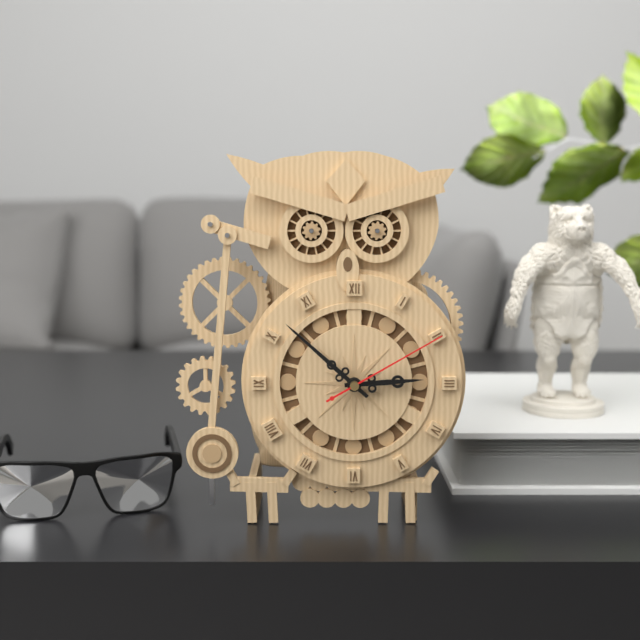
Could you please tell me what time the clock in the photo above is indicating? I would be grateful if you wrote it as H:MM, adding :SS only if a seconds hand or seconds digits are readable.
2:52:10
